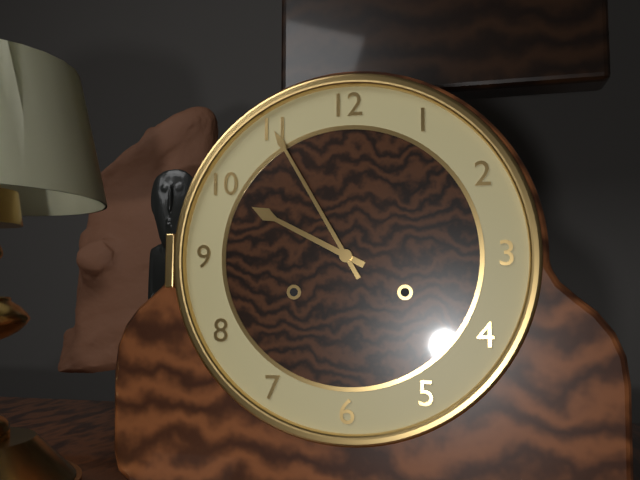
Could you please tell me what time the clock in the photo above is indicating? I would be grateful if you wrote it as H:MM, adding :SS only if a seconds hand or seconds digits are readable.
9:55
